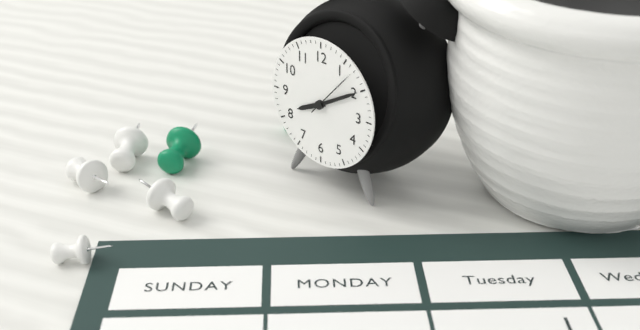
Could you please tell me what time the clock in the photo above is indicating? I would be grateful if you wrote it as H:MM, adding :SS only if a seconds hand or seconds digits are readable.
8:10:07
